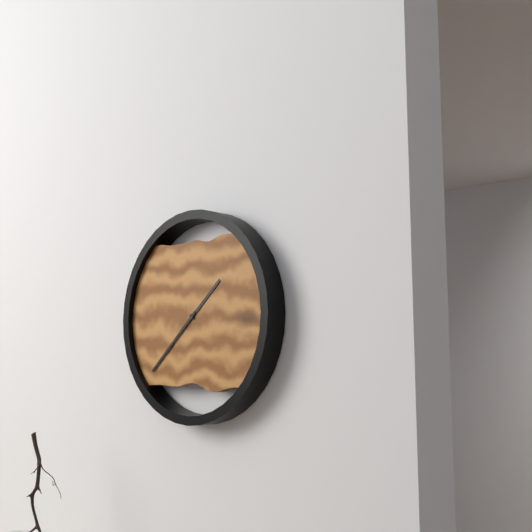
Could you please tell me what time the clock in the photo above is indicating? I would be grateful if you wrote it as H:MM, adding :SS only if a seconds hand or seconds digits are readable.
1:38
